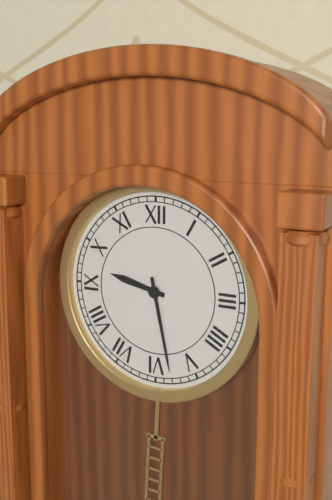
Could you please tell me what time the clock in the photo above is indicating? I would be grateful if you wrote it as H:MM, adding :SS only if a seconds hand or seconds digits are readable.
9:28
